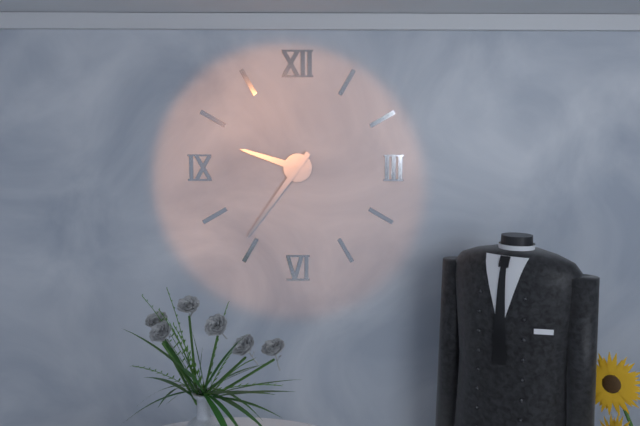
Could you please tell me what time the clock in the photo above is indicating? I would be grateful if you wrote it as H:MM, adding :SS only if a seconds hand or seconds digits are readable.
9:36
